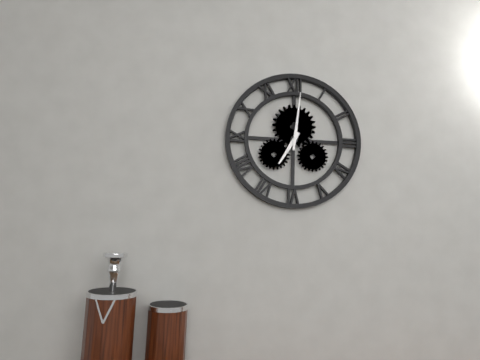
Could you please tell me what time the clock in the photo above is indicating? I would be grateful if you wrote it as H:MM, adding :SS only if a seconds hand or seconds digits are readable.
7:01
